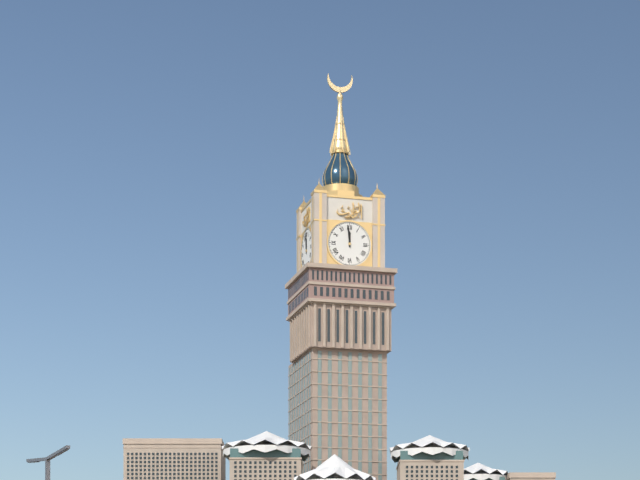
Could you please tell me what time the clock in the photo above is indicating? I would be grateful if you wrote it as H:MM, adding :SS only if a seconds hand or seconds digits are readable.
11:59
